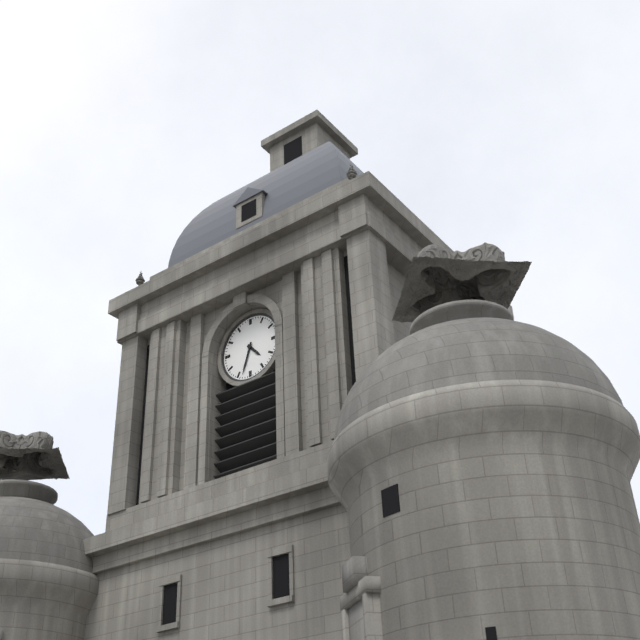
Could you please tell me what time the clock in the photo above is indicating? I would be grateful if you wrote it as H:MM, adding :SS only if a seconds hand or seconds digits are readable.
4:33
